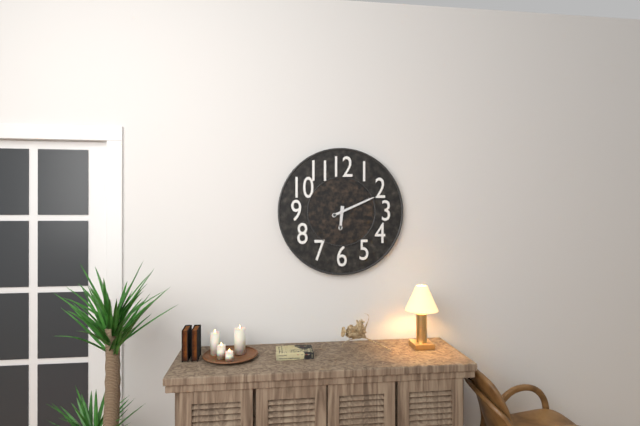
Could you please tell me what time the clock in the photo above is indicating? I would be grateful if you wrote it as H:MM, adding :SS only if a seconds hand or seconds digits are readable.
6:11
